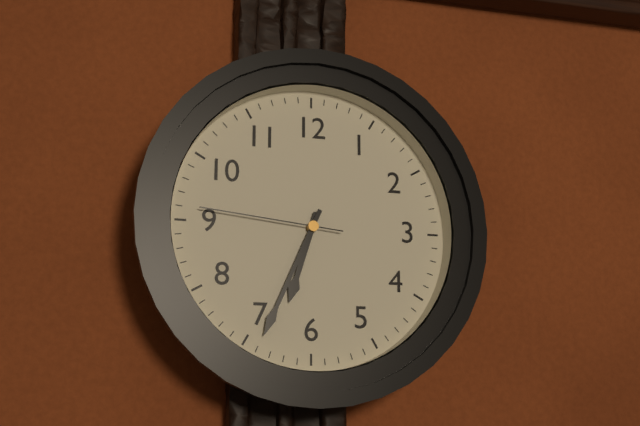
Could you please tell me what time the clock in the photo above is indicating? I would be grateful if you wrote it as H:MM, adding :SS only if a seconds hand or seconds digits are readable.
6:34:46
